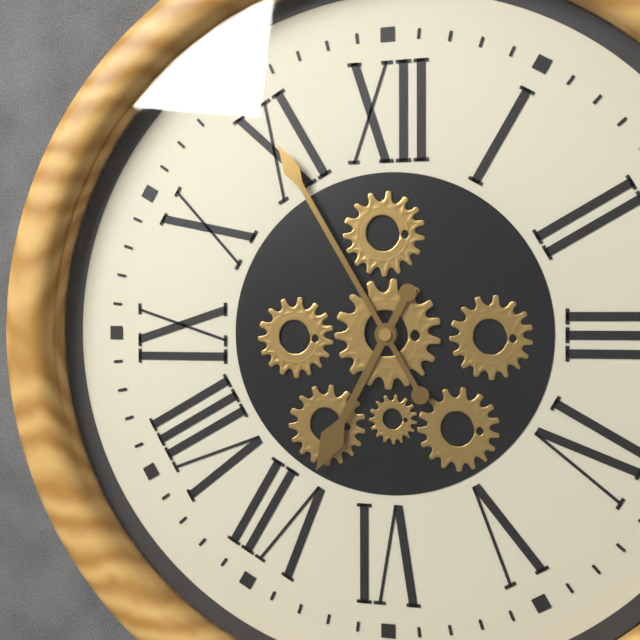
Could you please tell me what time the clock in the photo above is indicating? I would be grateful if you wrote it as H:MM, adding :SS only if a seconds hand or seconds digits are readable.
6:55
